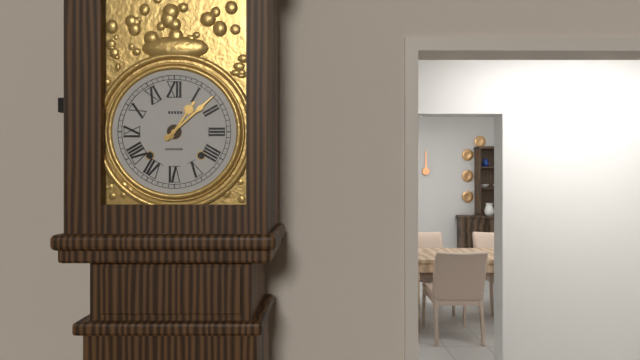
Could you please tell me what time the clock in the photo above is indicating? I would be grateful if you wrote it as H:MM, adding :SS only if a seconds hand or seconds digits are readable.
1:08
